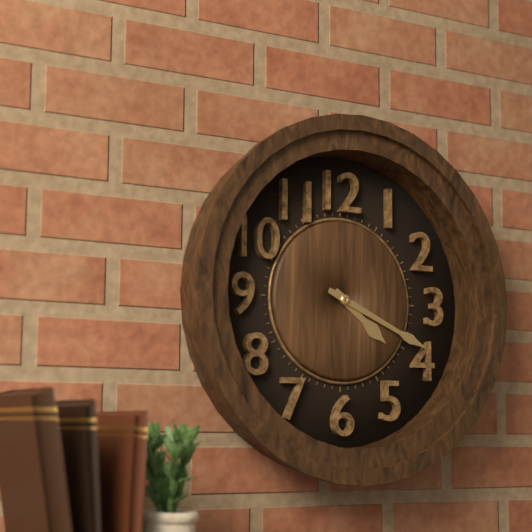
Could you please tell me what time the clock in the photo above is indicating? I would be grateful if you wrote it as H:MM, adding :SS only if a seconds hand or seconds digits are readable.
4:19
